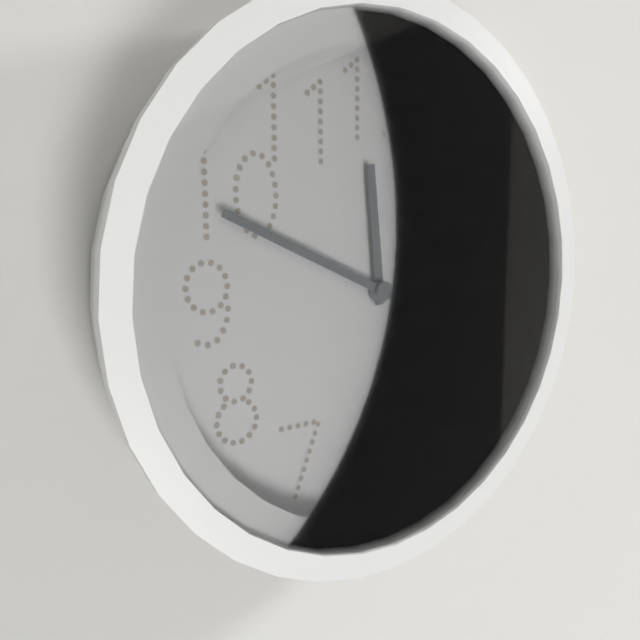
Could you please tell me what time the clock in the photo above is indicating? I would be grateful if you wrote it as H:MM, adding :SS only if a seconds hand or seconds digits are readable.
11:49
